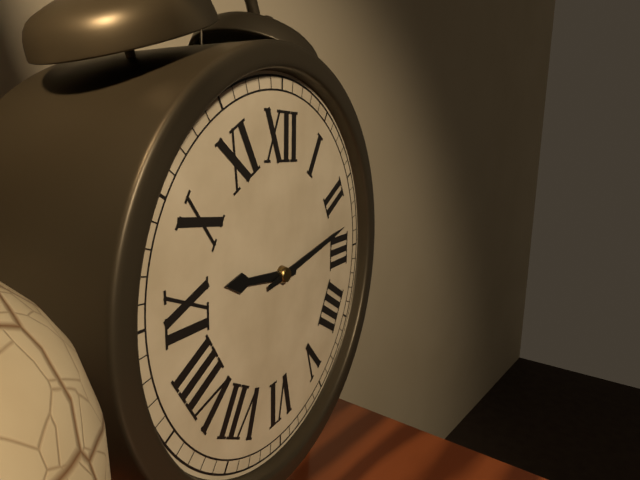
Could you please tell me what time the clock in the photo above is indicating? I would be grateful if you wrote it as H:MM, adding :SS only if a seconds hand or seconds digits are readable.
9:13
